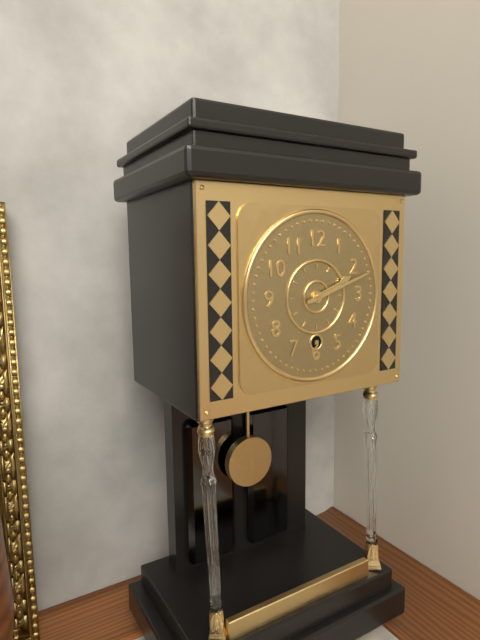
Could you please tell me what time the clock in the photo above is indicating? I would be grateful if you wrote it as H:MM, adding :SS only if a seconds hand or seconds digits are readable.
2:12
